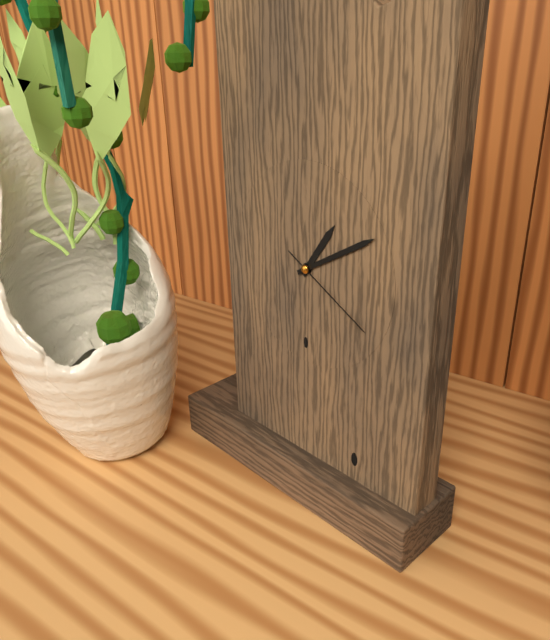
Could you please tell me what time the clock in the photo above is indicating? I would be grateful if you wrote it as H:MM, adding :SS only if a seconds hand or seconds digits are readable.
1:10:20
